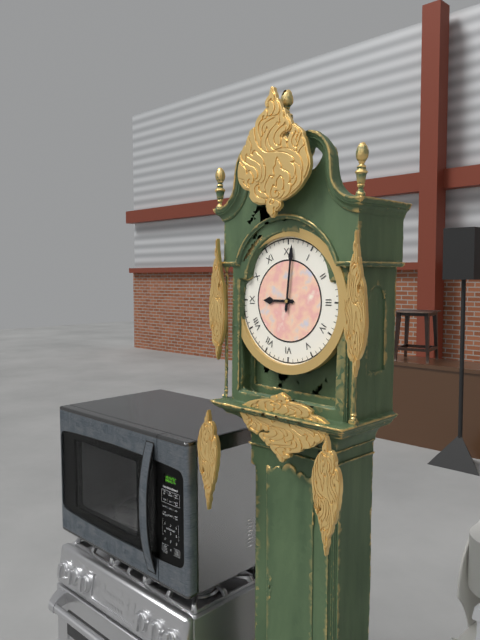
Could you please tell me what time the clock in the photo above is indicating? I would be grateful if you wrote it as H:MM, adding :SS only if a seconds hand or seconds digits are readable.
9:01
